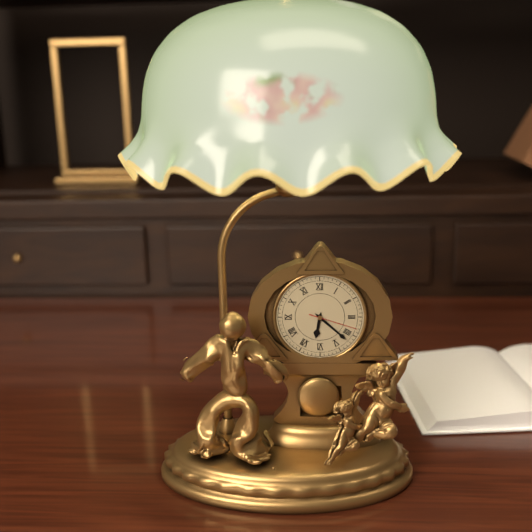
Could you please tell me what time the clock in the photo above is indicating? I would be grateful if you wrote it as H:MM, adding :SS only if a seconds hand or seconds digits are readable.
6:22
